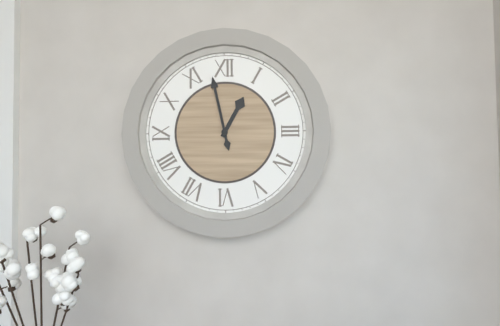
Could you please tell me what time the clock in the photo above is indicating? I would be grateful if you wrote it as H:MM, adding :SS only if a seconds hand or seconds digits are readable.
12:58
